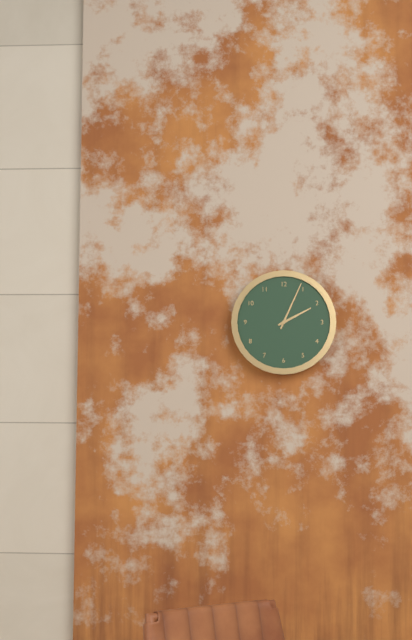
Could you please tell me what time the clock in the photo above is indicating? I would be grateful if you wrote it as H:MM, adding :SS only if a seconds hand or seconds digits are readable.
2:04
